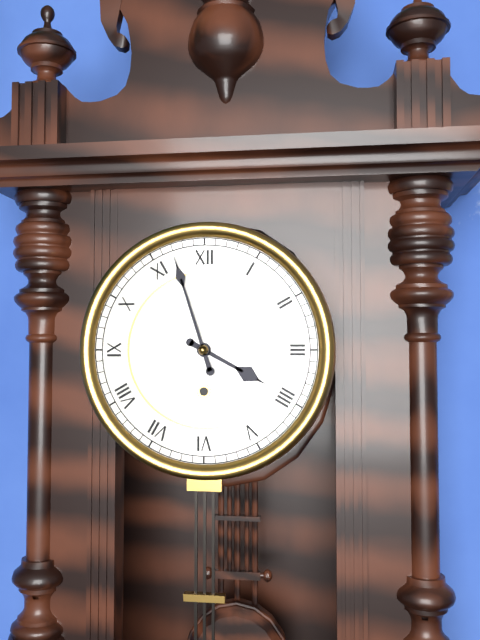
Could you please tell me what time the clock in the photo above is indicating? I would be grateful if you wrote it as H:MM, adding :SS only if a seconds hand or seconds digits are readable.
3:57
